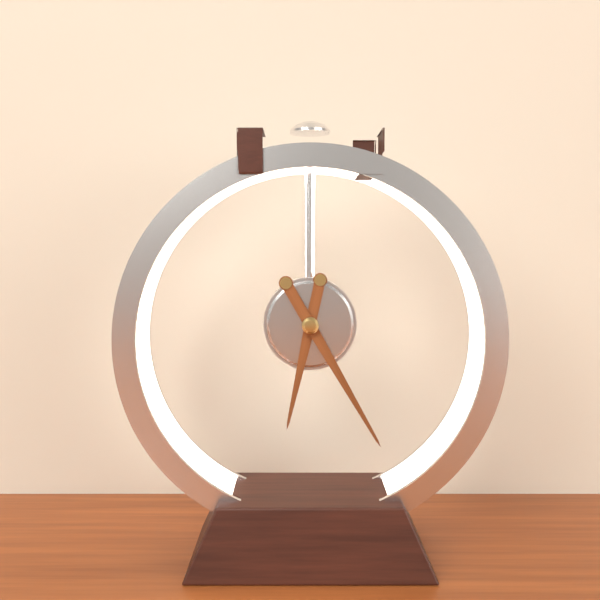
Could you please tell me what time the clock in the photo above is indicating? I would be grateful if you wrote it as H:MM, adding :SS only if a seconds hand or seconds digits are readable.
6:25
